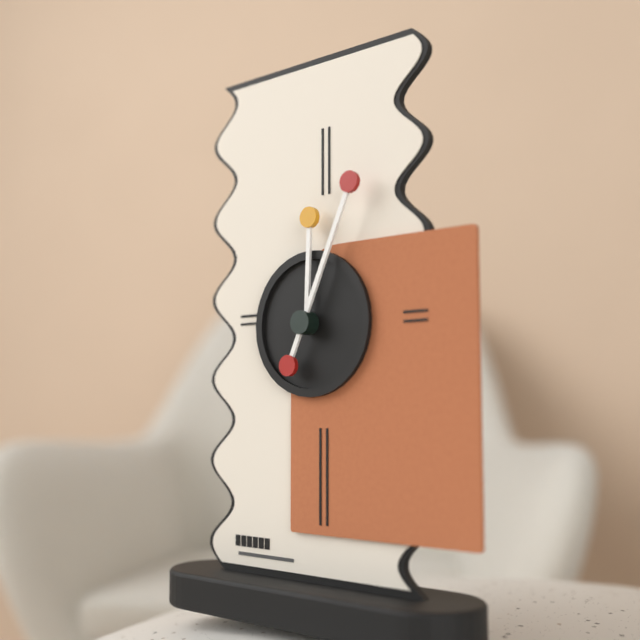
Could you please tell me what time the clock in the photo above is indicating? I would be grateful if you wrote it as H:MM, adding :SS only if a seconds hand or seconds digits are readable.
12:04
